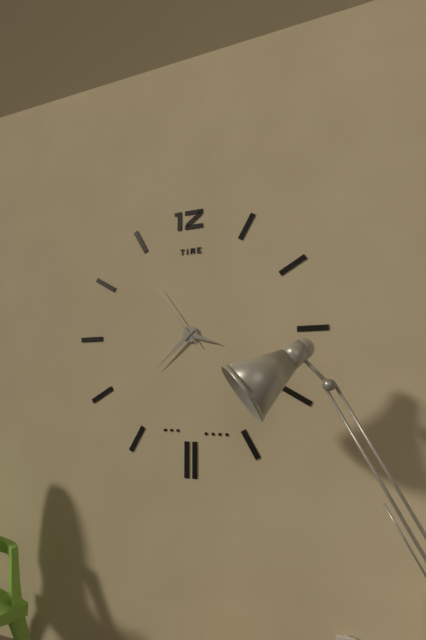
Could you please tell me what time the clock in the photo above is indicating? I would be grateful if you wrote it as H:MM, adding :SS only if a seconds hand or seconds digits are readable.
3:38:54
